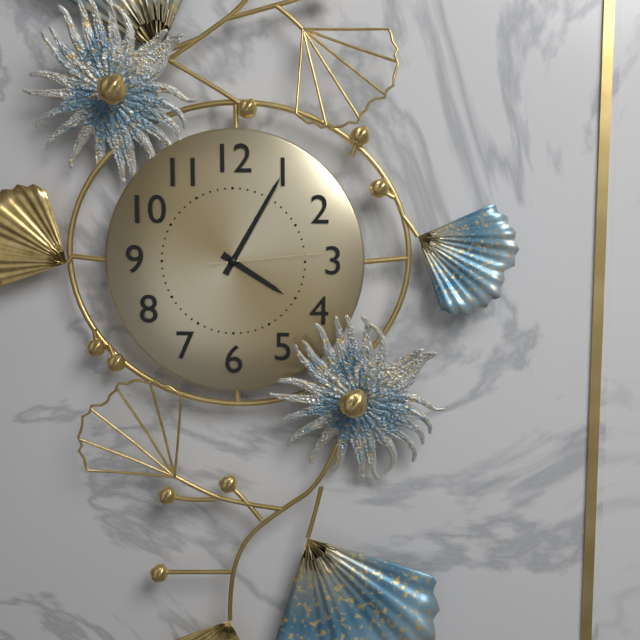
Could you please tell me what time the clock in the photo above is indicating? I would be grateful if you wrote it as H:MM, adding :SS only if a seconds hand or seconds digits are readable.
4:05:14
